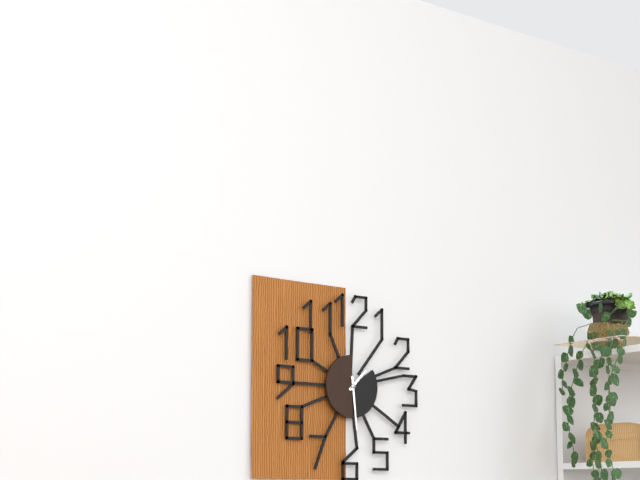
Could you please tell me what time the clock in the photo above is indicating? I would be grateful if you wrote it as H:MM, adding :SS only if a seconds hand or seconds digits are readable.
1:29
